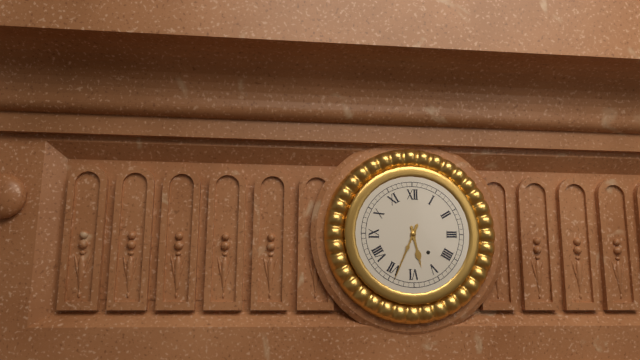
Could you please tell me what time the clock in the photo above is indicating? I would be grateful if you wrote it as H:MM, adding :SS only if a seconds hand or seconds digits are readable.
5:34
